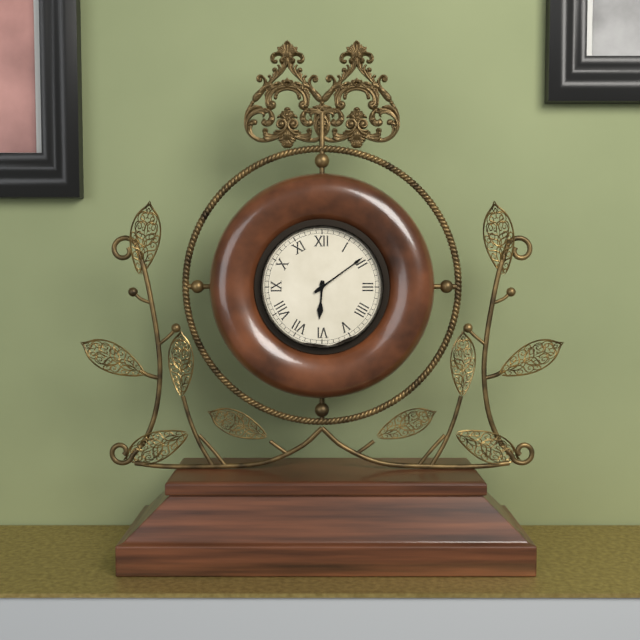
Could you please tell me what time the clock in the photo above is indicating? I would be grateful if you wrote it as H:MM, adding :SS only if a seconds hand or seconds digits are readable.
6:09
